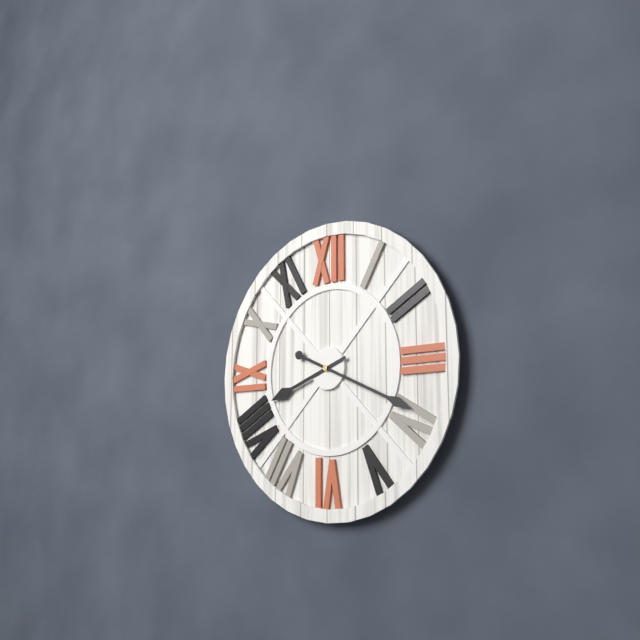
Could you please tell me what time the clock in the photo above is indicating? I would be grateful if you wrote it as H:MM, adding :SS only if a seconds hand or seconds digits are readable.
8:19
